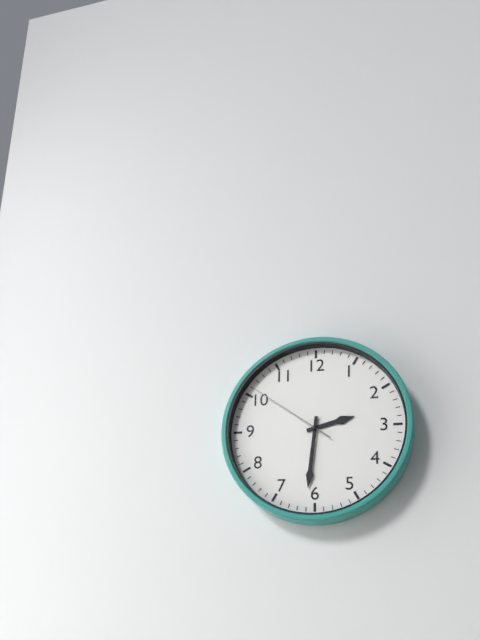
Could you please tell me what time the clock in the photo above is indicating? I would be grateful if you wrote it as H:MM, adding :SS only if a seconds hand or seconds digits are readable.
2:31:51
